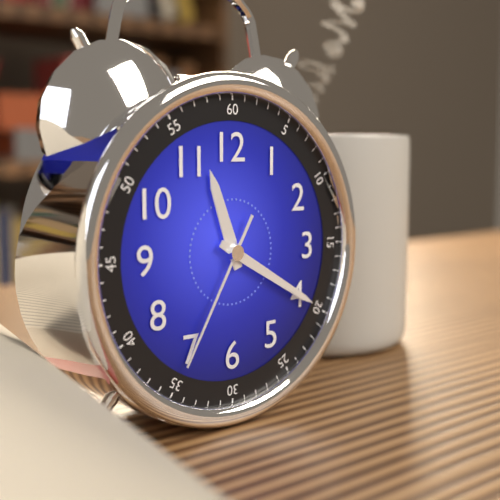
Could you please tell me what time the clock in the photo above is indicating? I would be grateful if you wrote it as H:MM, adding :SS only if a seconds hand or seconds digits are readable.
11:20:35
